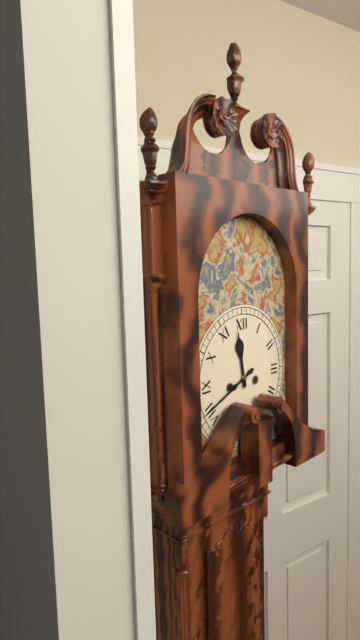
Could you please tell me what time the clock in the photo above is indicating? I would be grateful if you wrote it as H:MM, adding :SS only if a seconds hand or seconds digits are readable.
11:41
